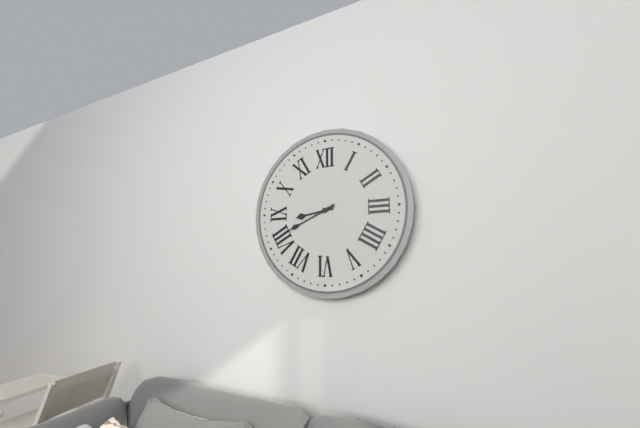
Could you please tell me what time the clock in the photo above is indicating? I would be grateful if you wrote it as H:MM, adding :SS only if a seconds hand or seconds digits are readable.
8:41
